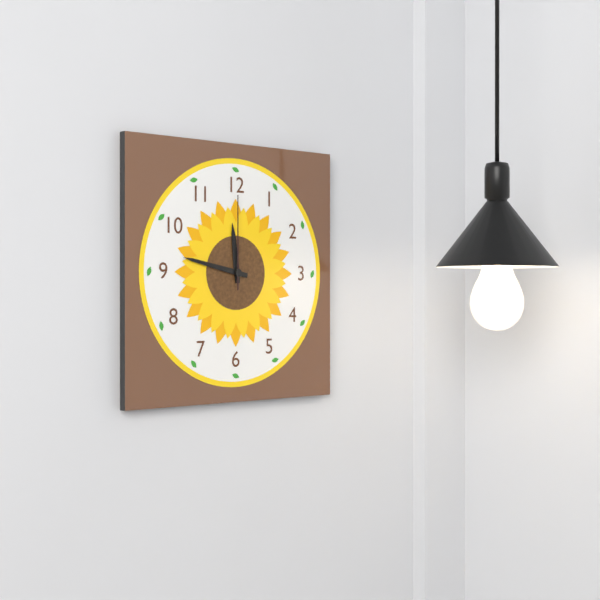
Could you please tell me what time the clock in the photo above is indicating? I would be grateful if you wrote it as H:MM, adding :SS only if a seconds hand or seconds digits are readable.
11:47:00
